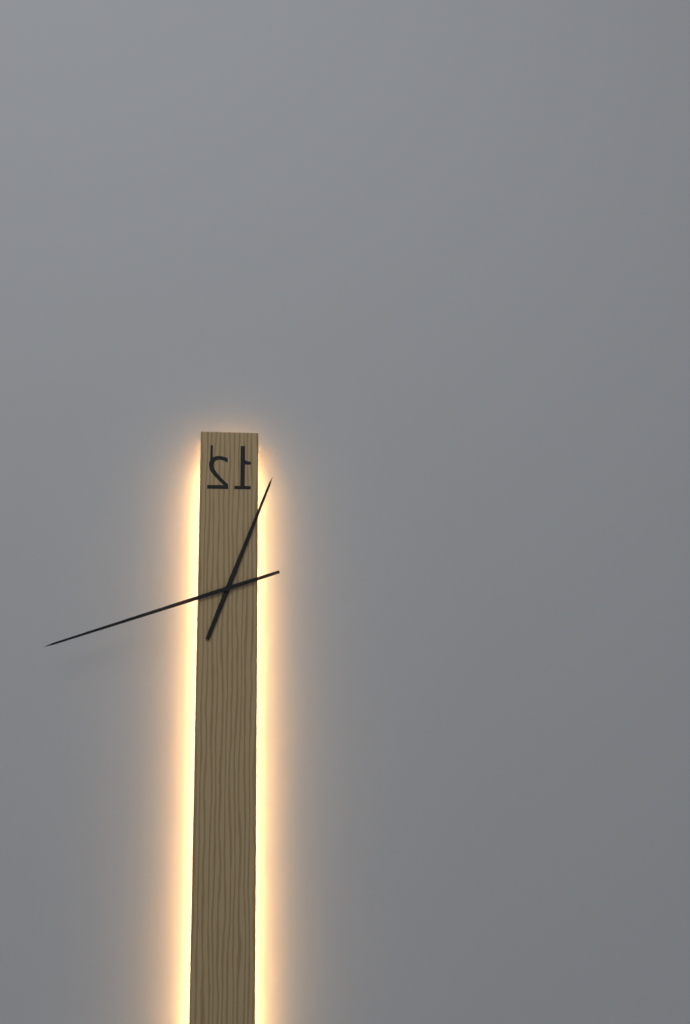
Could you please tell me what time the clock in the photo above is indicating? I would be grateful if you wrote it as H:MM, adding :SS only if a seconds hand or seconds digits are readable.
12:42
